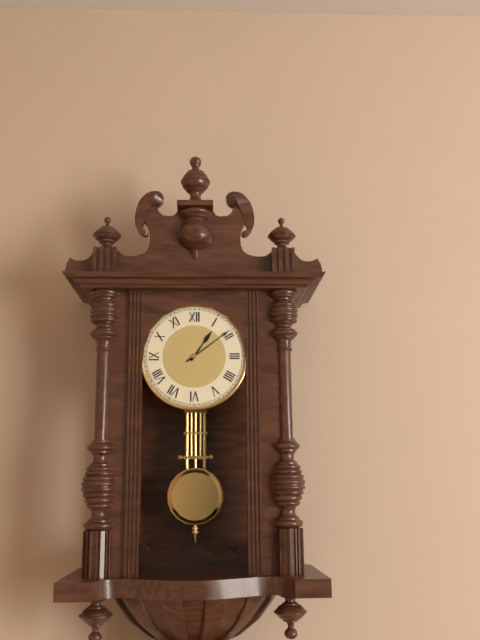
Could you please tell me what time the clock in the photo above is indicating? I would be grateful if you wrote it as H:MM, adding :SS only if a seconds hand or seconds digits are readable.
1:09
